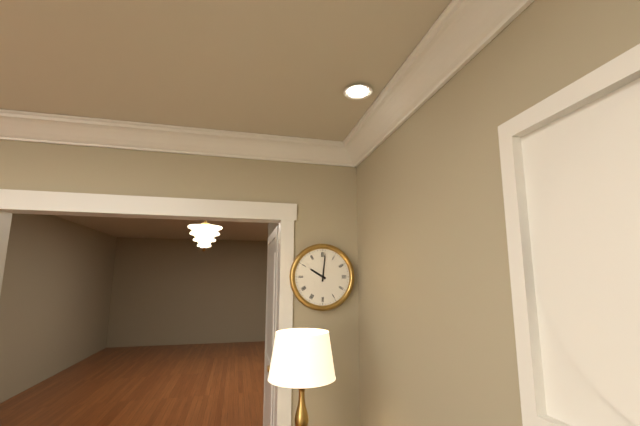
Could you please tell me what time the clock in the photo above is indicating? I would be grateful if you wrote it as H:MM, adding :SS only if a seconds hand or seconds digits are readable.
10:01
